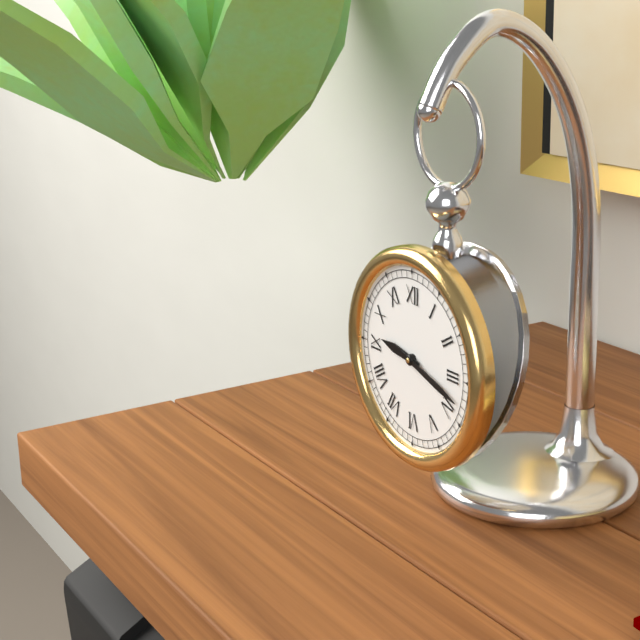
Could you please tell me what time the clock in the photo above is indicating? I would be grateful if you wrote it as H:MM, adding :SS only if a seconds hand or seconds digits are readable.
9:18
